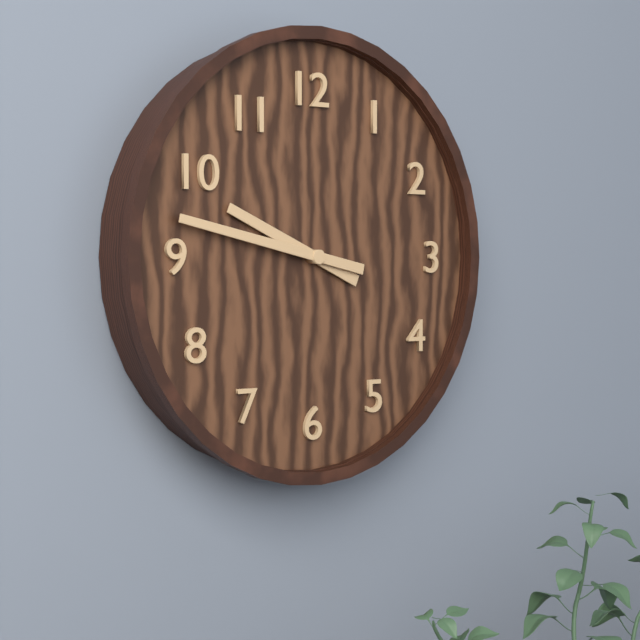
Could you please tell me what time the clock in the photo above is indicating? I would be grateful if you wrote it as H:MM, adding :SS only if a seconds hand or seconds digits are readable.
9:47
